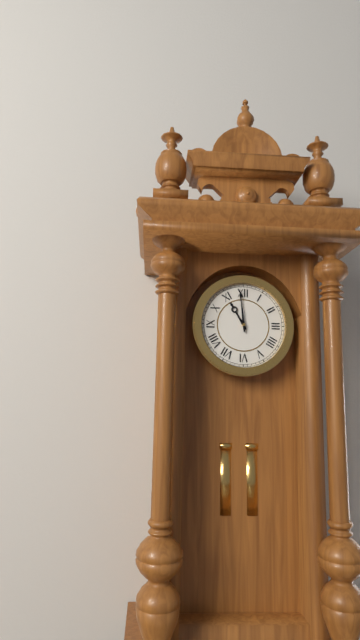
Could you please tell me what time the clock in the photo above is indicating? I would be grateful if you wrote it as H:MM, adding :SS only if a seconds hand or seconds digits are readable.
10:59
